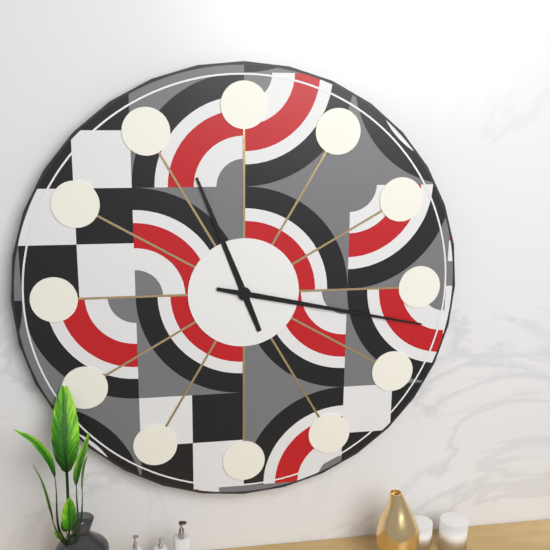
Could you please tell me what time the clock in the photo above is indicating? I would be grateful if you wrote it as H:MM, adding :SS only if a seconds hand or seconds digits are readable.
11:17
